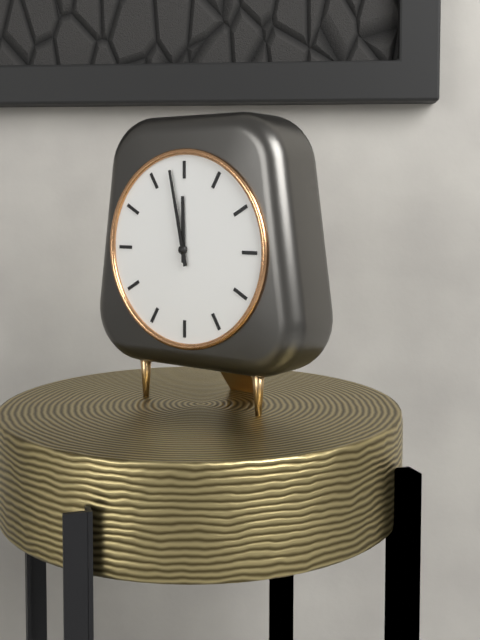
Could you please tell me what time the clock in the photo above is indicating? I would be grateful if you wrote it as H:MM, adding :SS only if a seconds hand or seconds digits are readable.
11:58
